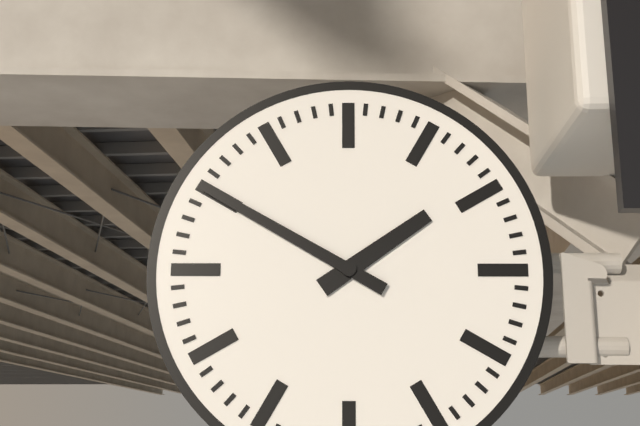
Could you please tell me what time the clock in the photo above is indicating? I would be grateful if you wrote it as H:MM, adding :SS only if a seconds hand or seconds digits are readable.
1:50
